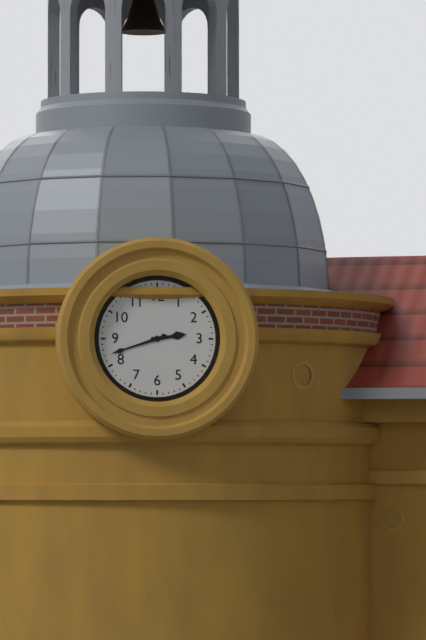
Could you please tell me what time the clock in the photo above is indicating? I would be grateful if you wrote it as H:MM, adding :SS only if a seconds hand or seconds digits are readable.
2:42
